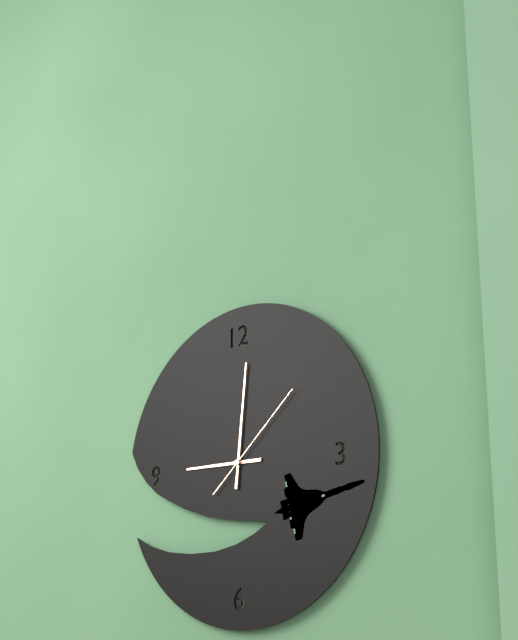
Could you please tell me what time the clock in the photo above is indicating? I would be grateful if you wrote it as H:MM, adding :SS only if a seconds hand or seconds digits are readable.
9:01:08
